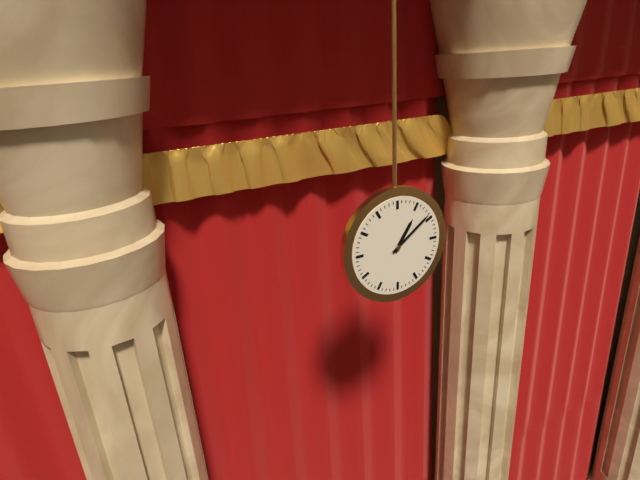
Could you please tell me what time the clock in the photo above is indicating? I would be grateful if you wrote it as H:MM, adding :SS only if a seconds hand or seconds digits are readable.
1:09
